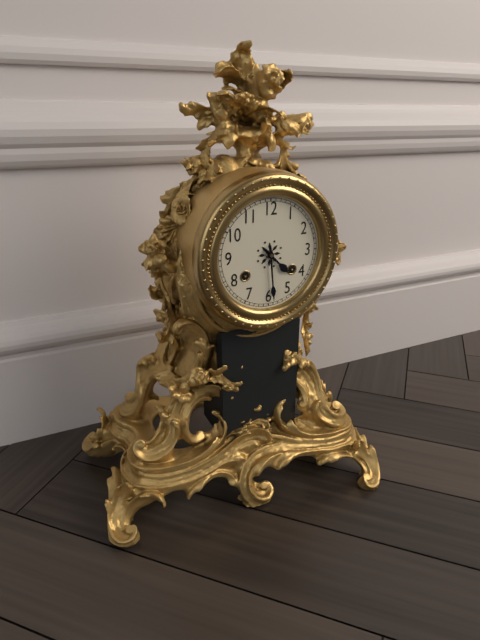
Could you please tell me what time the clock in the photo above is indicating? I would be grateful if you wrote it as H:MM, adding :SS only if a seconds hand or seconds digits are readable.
4:29
